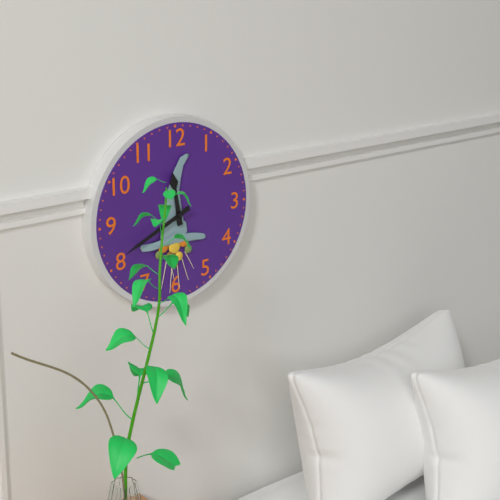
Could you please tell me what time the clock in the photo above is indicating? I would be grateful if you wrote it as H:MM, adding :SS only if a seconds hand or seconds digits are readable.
11:41
